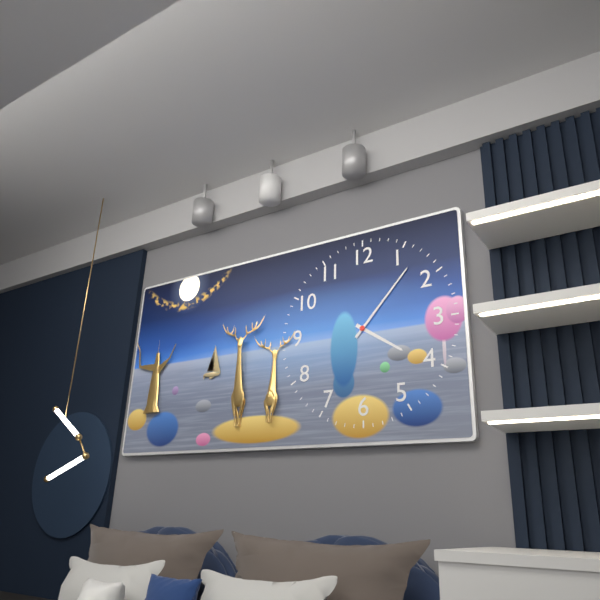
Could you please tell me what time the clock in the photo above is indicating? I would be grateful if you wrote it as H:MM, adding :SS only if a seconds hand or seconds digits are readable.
4:07
